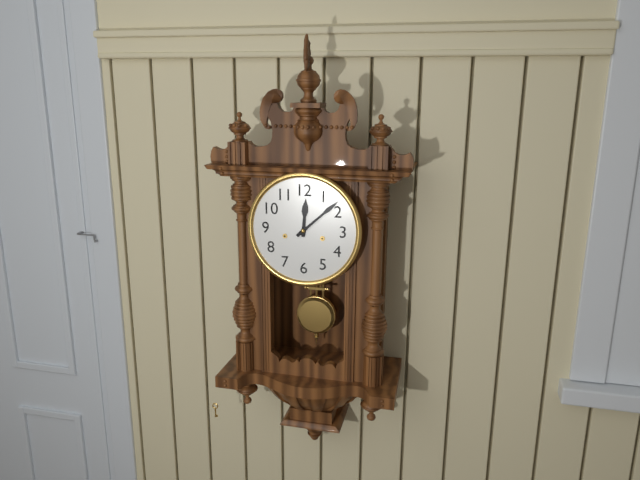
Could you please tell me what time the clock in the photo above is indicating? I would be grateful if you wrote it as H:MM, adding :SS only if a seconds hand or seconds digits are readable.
12:08
